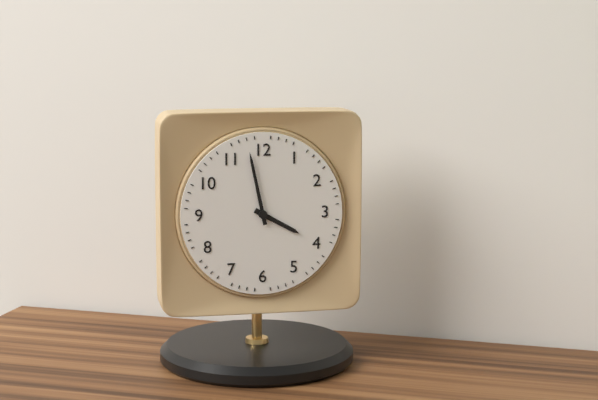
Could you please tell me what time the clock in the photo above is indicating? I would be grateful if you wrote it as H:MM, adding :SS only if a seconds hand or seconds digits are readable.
3:58
